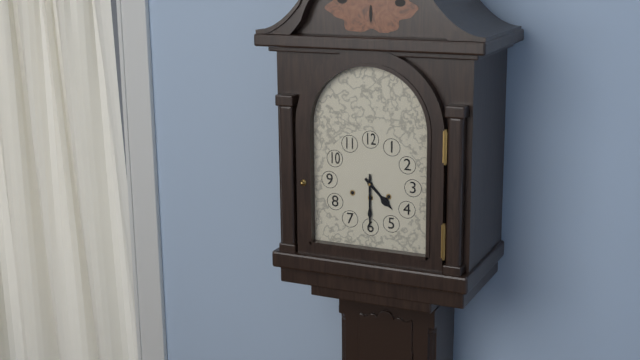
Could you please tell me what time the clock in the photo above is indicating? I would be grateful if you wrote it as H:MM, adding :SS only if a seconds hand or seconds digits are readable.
4:30
